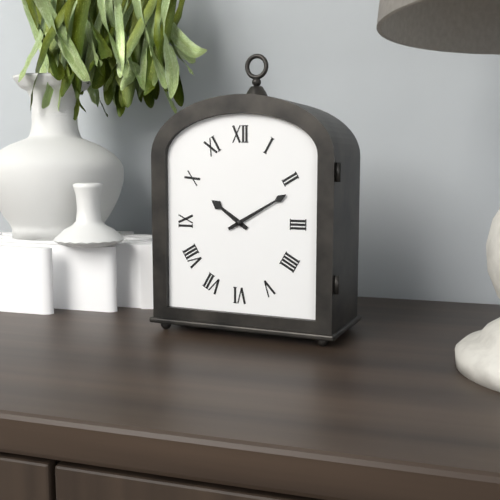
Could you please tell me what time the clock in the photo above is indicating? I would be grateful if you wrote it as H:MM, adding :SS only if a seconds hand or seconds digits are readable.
10:10
